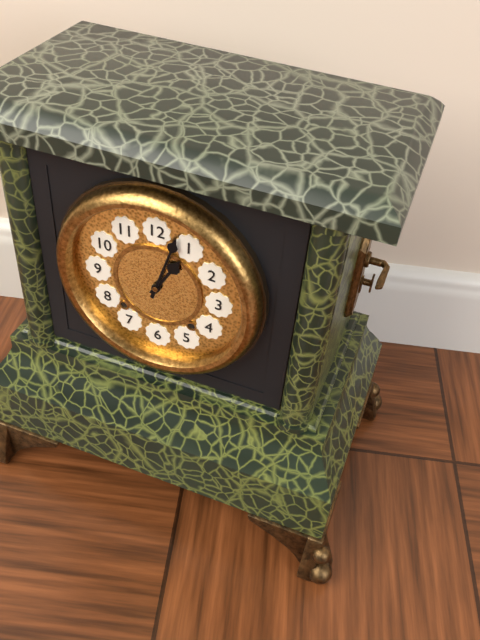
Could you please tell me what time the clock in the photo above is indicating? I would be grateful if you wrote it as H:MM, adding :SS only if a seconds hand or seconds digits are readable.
1:03
